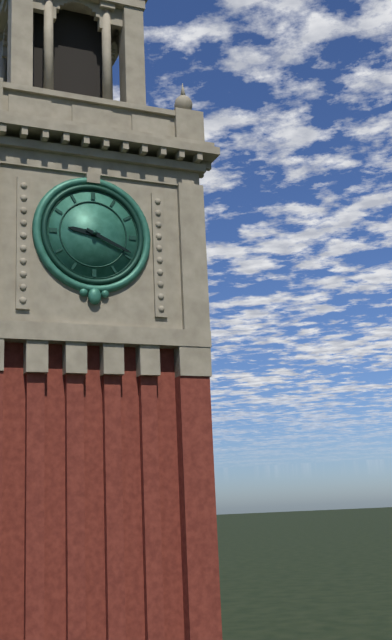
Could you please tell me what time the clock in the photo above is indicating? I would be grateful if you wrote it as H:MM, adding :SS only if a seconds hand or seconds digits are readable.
9:19
